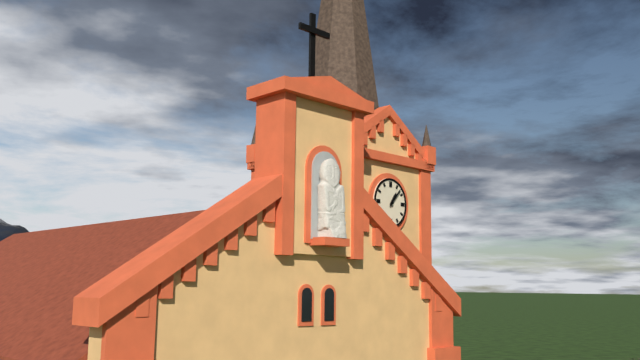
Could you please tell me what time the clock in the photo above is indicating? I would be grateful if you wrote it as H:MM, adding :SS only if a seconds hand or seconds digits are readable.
1:07
